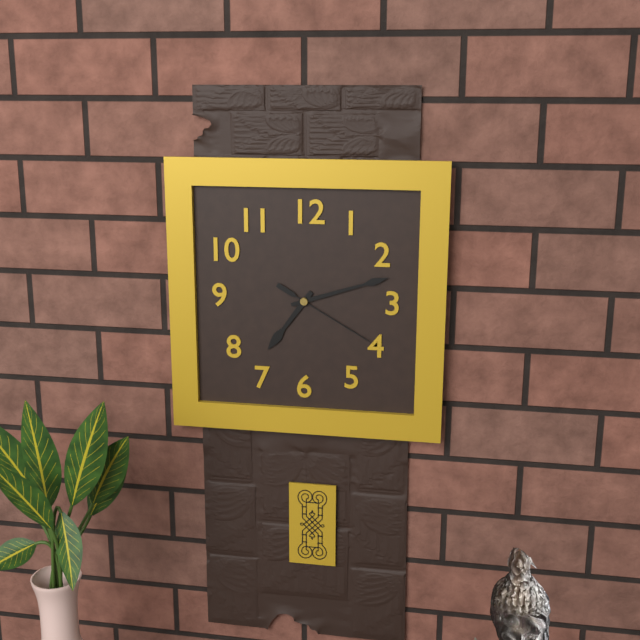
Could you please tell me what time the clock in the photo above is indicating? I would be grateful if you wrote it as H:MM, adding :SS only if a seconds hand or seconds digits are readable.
7:12:20
